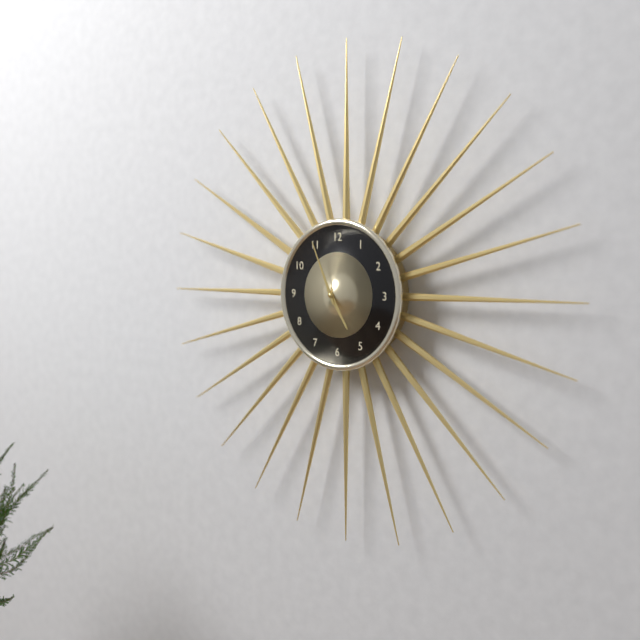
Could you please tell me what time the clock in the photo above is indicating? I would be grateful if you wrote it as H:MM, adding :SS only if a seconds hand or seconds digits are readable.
4:56
